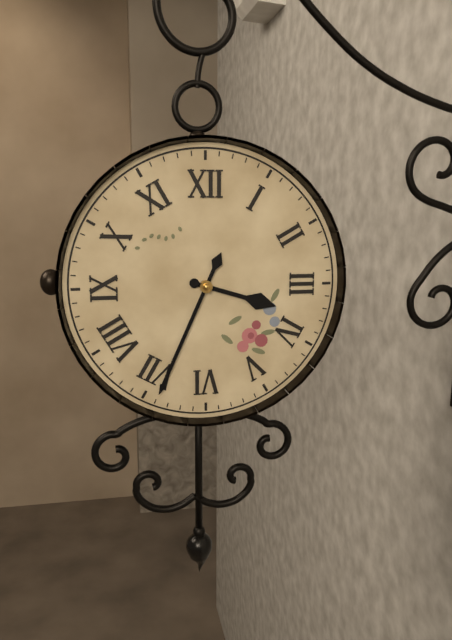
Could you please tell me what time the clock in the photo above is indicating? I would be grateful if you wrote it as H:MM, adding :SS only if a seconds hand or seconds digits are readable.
3:34
